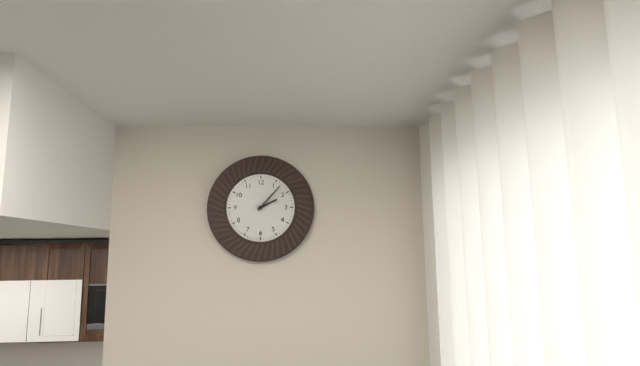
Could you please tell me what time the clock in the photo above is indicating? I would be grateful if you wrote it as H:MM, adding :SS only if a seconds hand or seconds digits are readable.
2:07
